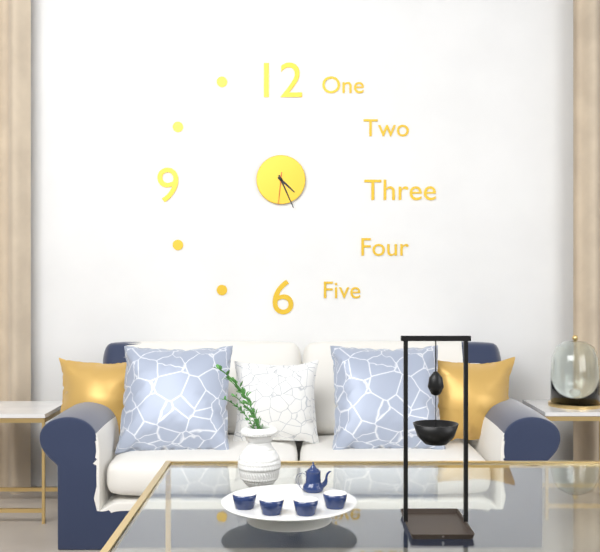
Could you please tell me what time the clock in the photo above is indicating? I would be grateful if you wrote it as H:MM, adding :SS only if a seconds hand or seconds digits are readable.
4:26
